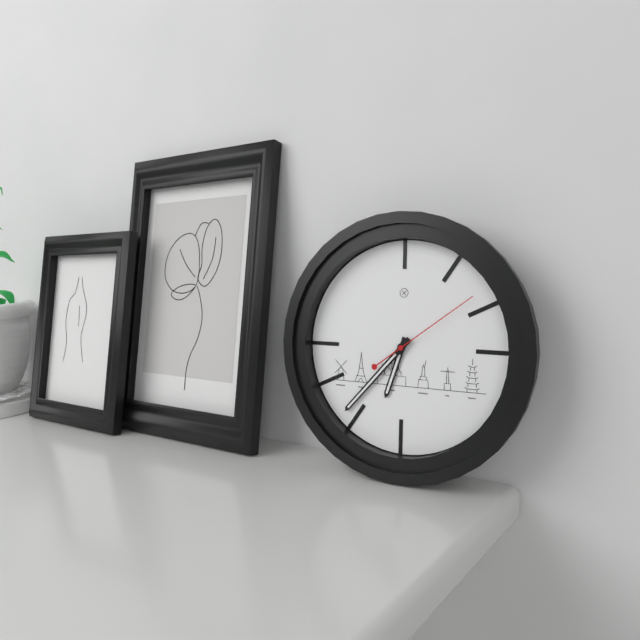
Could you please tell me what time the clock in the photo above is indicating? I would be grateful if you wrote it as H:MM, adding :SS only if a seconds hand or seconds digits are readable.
6:37:09
